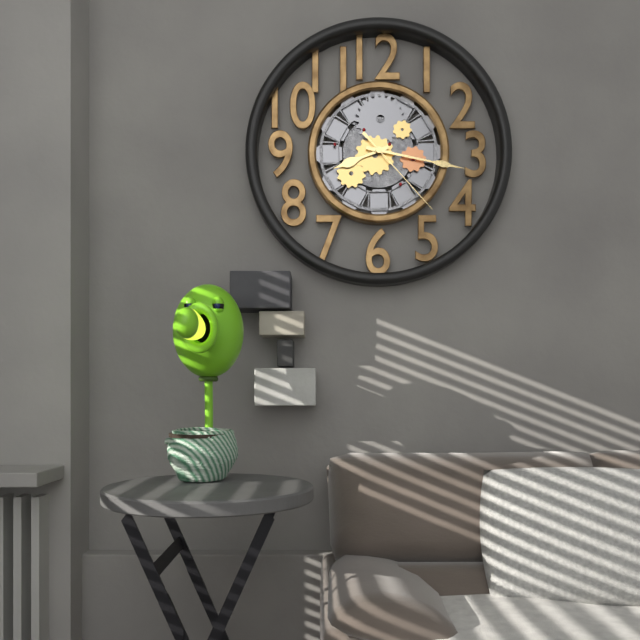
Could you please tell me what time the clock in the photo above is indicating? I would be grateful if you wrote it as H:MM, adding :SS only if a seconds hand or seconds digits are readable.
8:17:23
